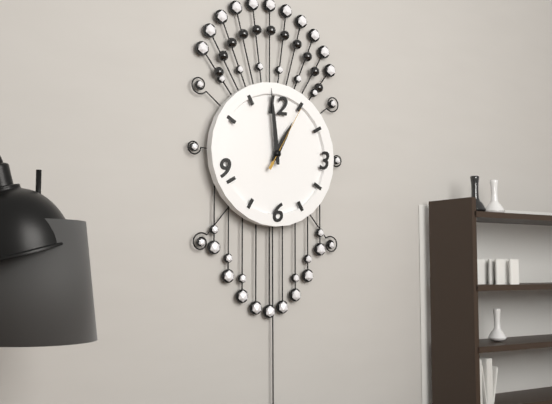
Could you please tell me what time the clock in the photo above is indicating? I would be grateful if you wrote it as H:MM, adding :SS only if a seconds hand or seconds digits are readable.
12:59:05
